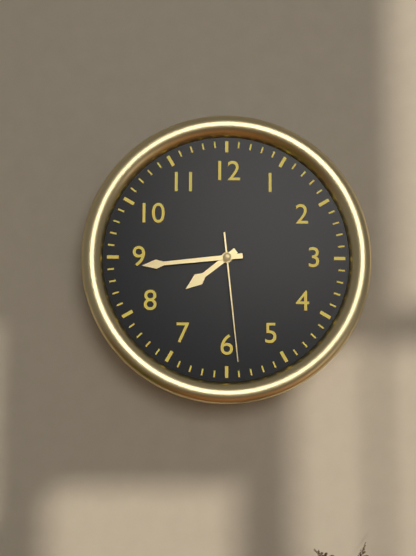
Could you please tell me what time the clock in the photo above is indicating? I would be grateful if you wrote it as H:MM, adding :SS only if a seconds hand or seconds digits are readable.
7:44:29
